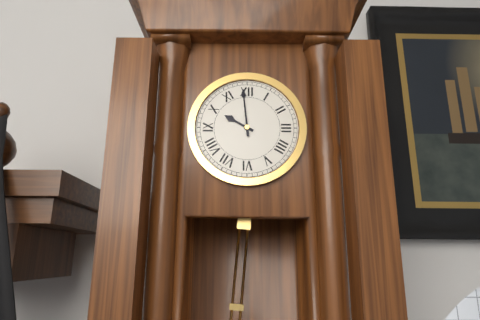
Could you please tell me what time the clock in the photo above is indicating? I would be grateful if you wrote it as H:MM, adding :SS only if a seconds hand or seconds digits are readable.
9:59
